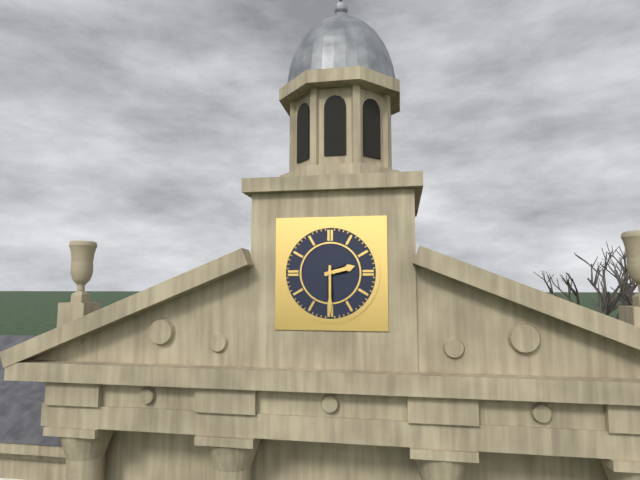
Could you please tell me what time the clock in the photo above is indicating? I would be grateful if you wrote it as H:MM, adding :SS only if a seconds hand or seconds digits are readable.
2:30
